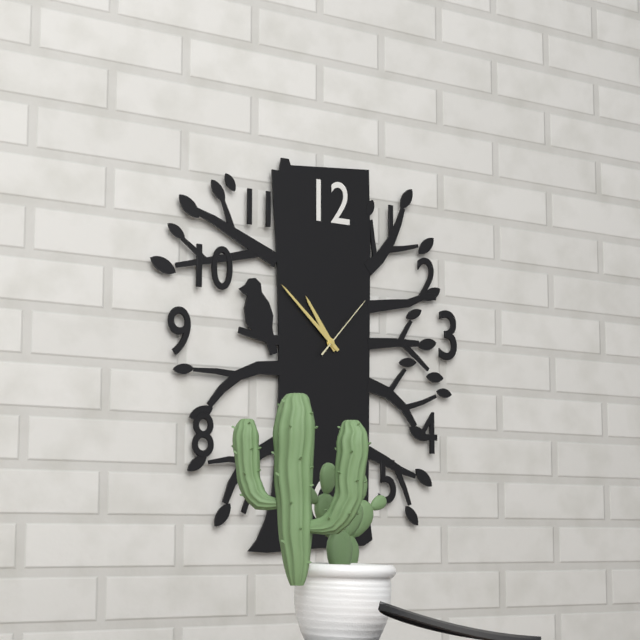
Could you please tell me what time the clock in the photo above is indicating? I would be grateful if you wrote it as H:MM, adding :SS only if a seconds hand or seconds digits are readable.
10:52:07
